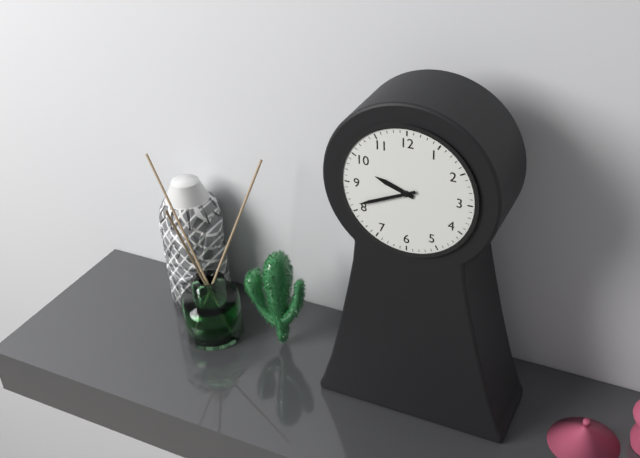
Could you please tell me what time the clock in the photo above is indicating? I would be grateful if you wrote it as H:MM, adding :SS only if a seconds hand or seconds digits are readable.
9:41
